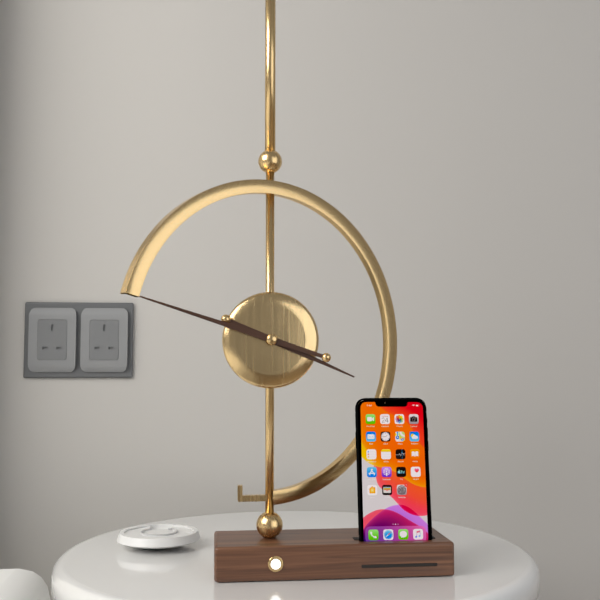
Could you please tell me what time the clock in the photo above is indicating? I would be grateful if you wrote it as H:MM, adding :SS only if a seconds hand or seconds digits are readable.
3:48
